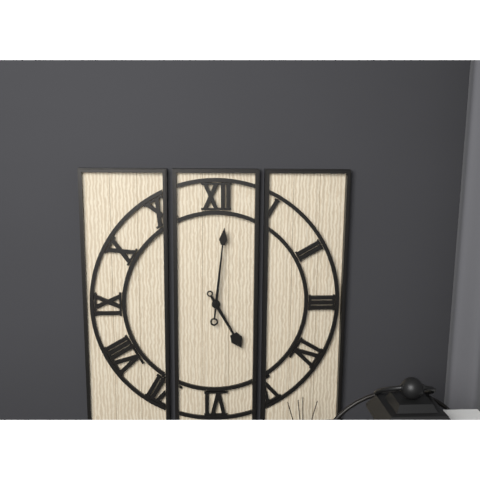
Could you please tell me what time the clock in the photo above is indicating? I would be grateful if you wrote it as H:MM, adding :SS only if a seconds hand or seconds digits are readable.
5:01
